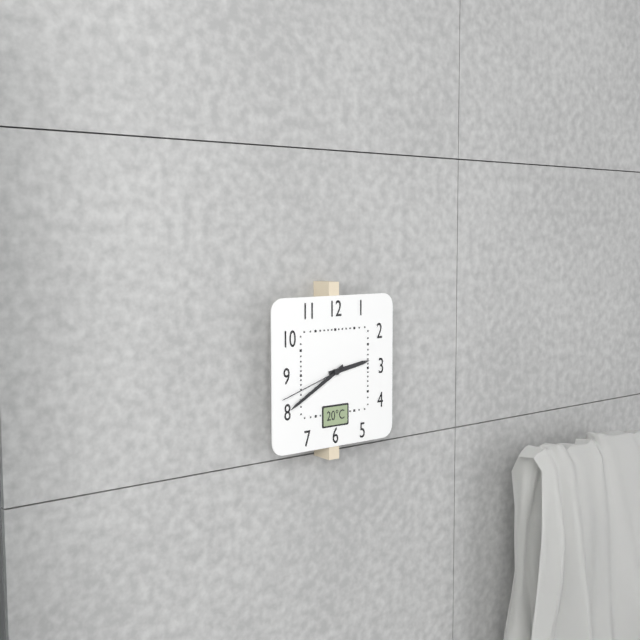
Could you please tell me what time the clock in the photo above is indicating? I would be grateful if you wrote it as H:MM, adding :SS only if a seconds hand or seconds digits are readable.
2:40:42
